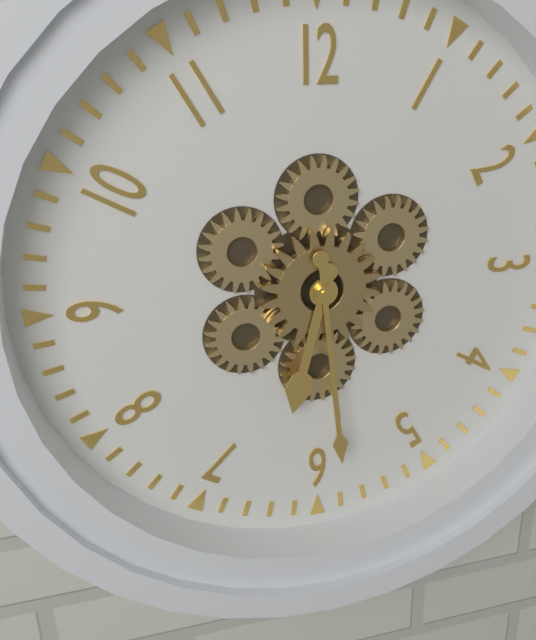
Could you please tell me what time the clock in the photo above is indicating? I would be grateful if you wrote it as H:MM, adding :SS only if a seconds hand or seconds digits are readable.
6:29
